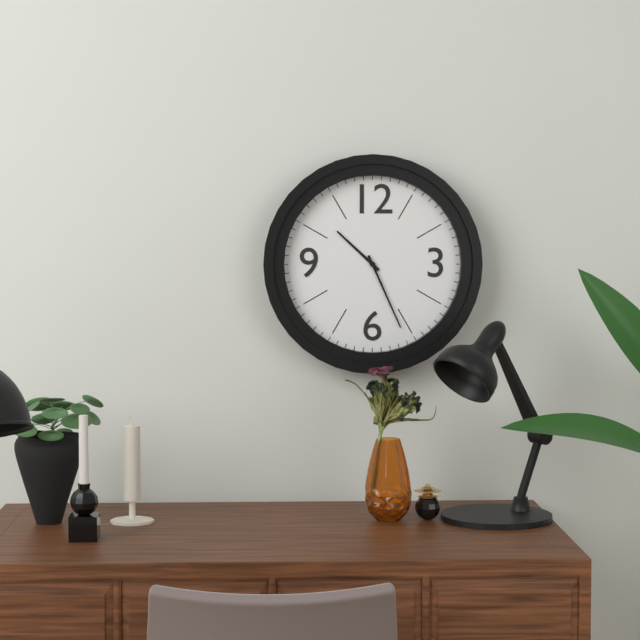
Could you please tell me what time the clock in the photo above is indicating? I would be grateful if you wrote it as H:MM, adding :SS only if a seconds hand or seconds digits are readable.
10:26
